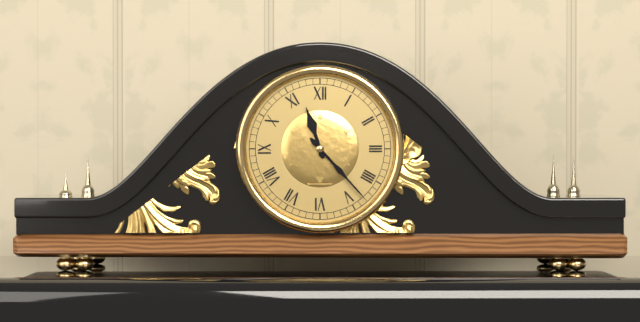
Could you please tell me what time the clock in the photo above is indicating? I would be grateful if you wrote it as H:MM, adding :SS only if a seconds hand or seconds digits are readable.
11:23
